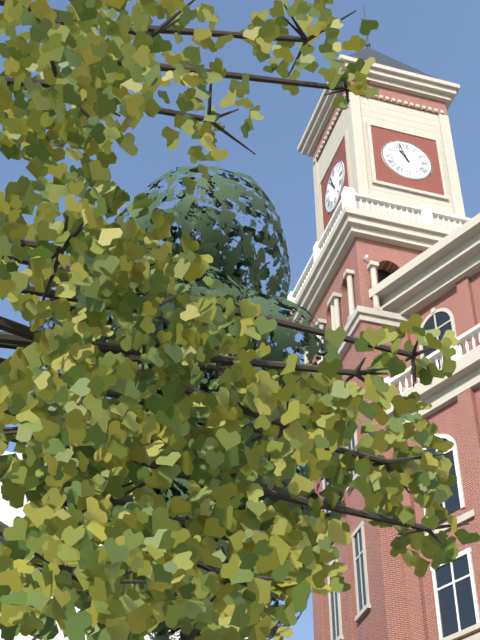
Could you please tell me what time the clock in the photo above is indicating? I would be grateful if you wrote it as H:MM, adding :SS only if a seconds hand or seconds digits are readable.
10:57
